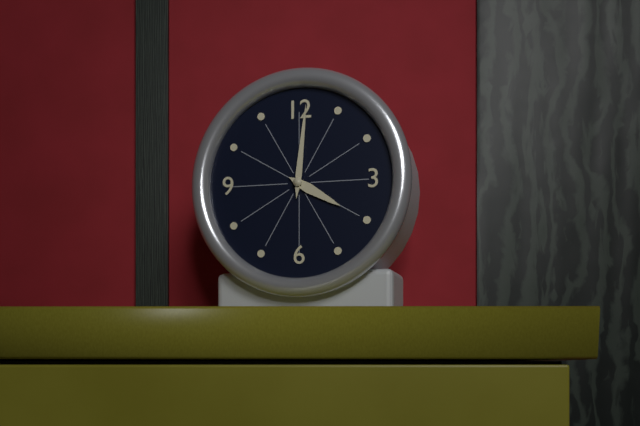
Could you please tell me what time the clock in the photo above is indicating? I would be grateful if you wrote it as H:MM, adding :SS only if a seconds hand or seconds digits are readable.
4:01
